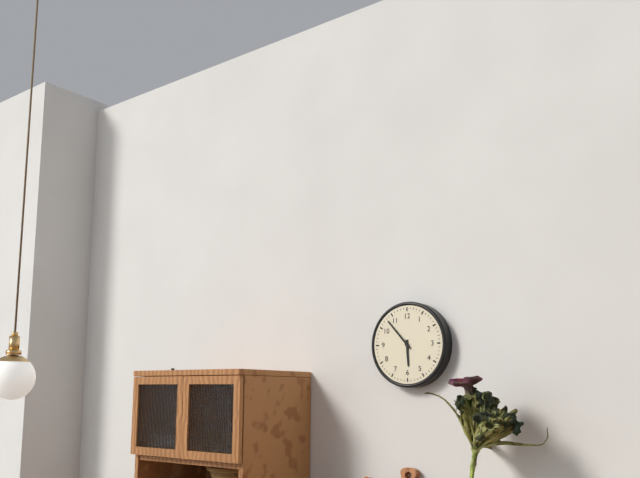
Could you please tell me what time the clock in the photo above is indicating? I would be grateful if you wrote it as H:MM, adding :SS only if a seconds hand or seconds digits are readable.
5:53
